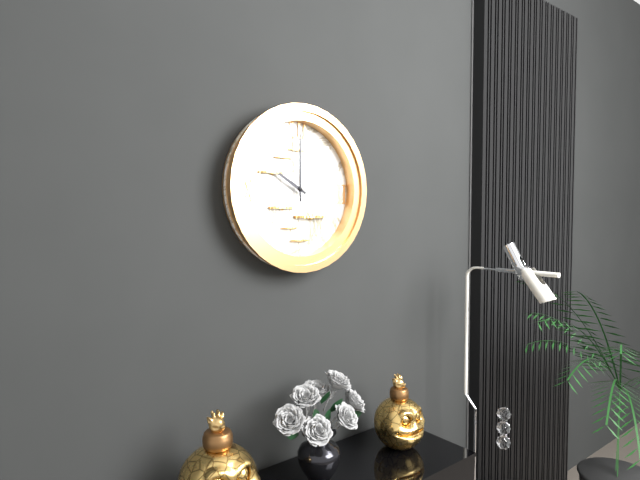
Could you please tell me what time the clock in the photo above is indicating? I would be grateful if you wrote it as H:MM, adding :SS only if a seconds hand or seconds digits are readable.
10:00
